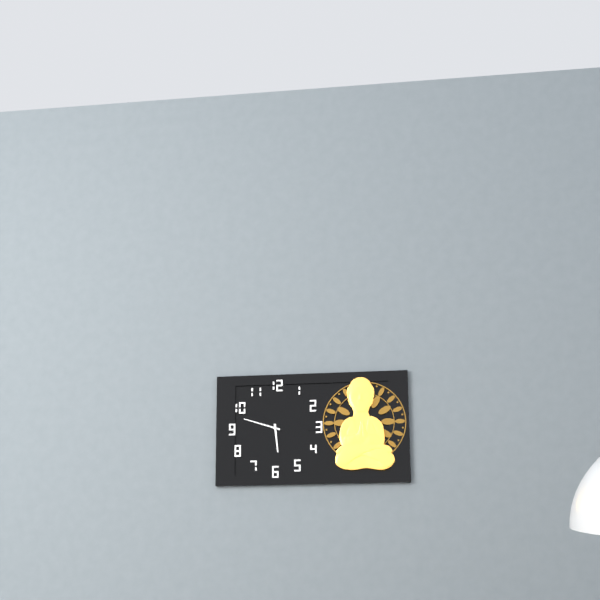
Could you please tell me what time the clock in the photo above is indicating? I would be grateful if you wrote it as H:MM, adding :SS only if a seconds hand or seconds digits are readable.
5:48
